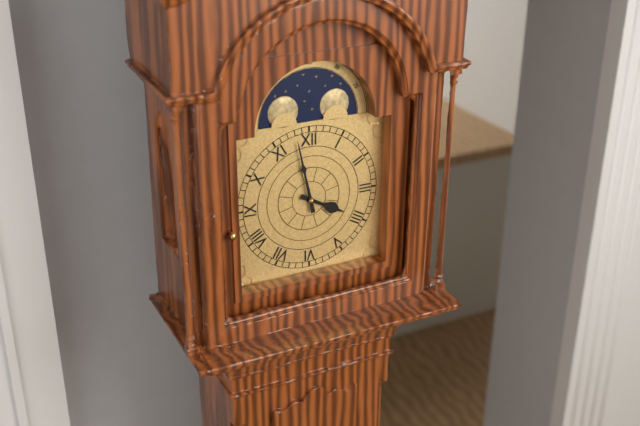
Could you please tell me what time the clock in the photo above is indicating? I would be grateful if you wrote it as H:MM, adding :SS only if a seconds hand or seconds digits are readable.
3:58
